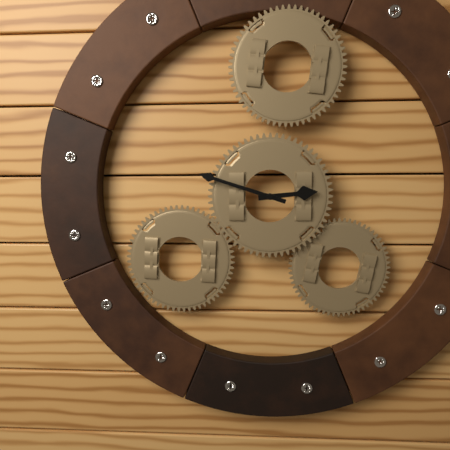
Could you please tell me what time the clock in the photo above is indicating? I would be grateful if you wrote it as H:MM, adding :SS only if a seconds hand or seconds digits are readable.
2:48
